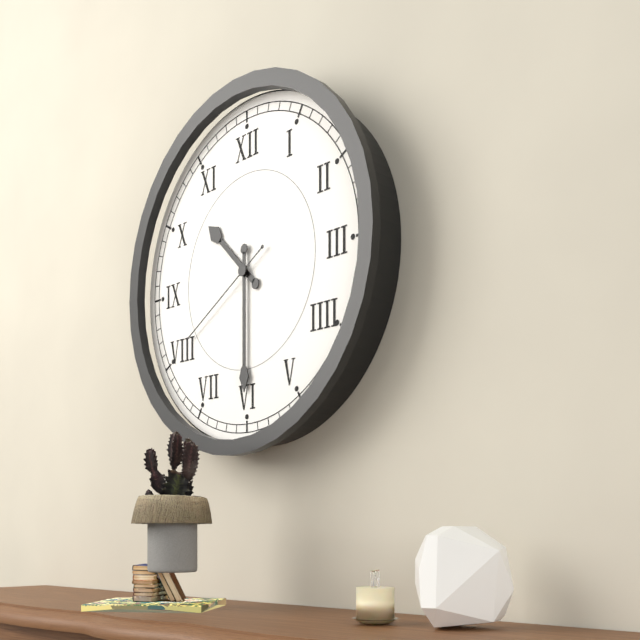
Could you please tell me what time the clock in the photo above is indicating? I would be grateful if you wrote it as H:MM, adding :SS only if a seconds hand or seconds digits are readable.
10:30:40
